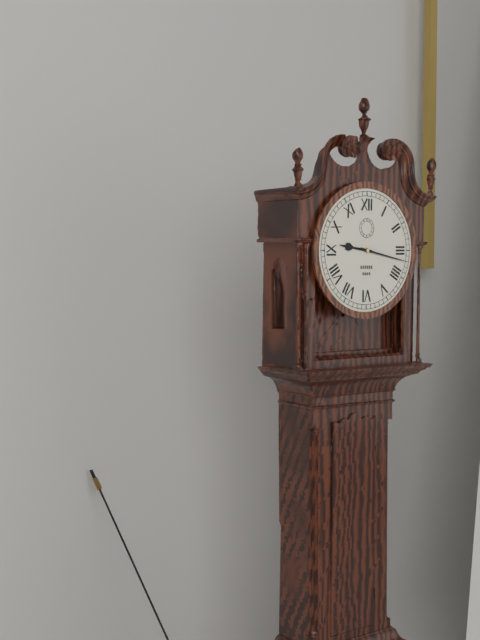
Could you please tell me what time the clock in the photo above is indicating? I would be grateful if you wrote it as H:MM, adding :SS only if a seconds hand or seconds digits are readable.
9:17
